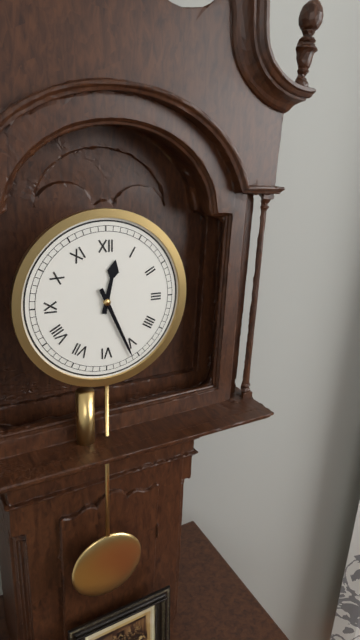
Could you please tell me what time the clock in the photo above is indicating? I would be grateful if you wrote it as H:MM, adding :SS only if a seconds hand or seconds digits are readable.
12:26
